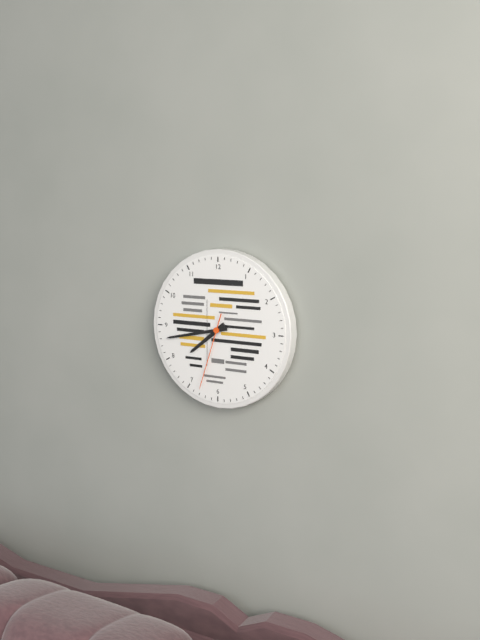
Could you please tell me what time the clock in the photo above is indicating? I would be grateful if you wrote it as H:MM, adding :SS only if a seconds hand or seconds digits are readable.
7:43:33
